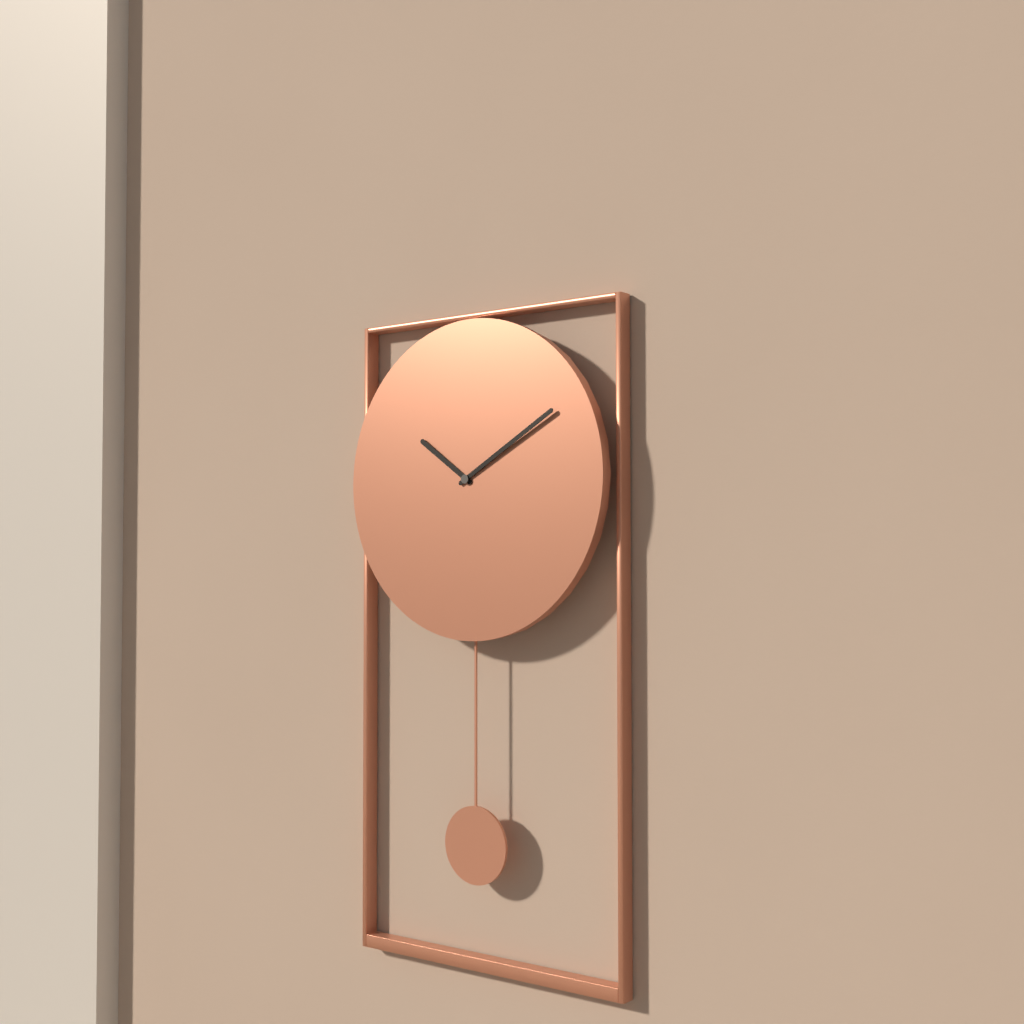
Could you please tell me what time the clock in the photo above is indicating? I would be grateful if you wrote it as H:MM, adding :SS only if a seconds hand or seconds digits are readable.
10:10
